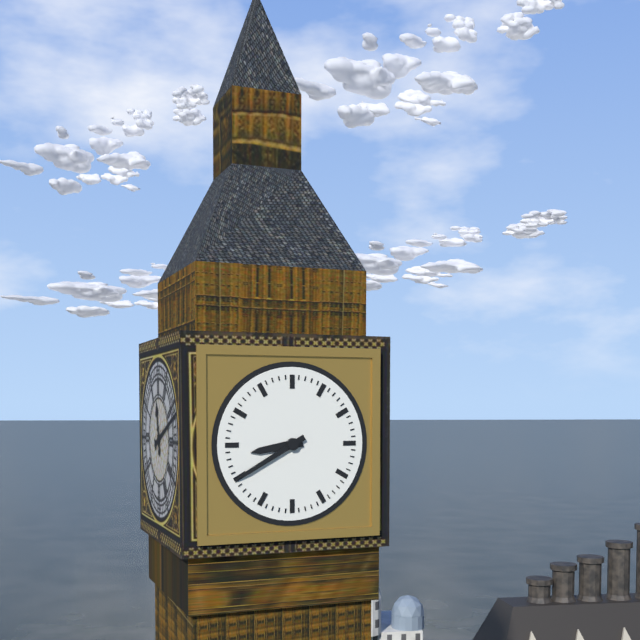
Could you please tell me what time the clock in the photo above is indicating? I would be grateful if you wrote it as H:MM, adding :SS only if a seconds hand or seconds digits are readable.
8:40
